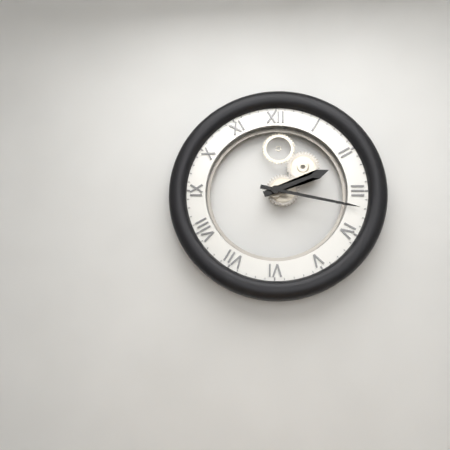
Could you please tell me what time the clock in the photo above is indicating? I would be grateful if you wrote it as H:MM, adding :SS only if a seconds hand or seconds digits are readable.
2:17
